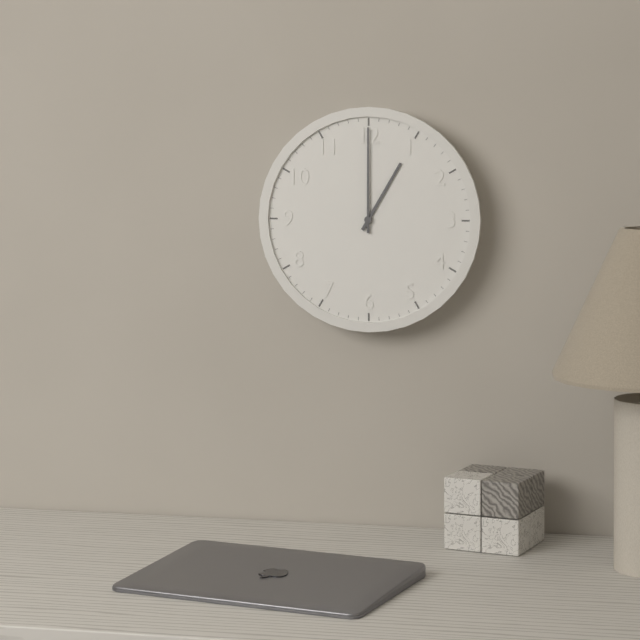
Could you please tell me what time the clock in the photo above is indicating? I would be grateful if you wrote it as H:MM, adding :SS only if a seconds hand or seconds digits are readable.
1:00
